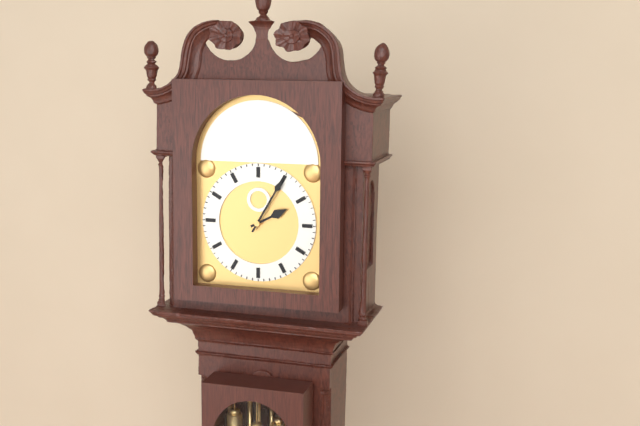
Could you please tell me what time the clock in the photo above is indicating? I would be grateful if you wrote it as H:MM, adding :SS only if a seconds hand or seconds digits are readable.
2:05
